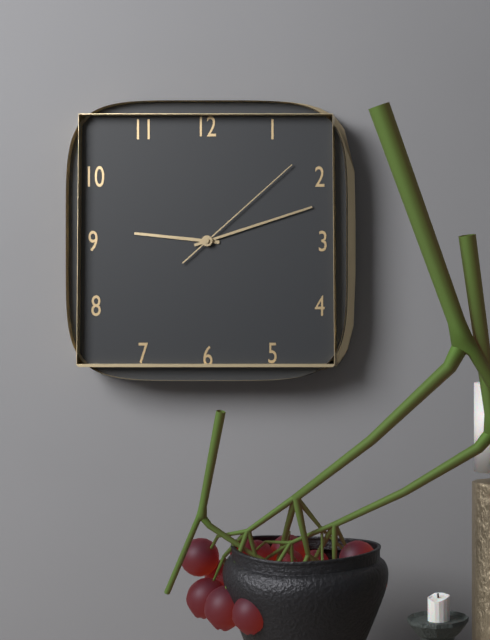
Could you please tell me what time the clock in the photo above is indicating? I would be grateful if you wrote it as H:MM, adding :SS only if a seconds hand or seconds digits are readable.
9:12:08
